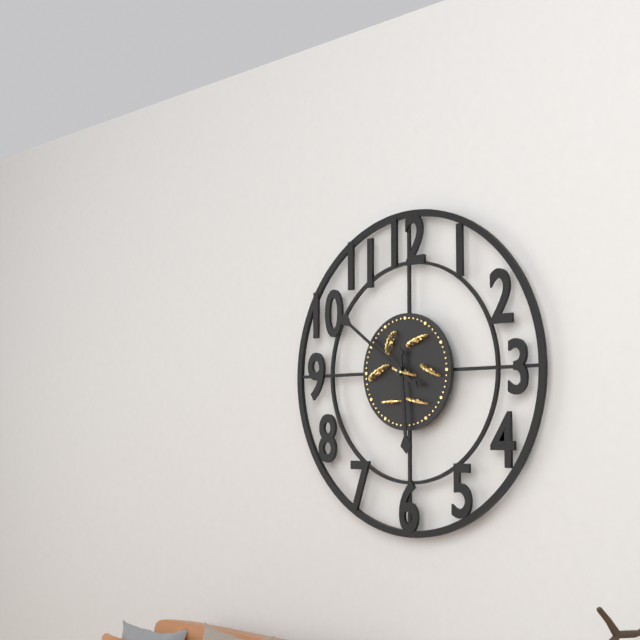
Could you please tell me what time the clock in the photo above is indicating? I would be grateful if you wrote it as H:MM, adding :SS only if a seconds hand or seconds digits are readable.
5:51
